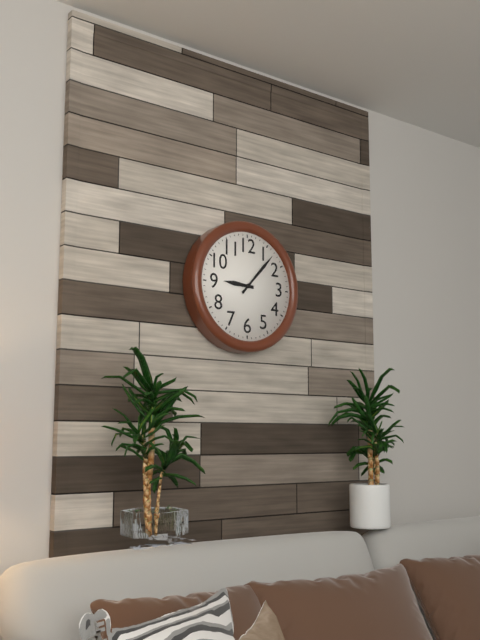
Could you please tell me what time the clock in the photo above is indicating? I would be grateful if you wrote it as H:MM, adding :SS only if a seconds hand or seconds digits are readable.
9:07
